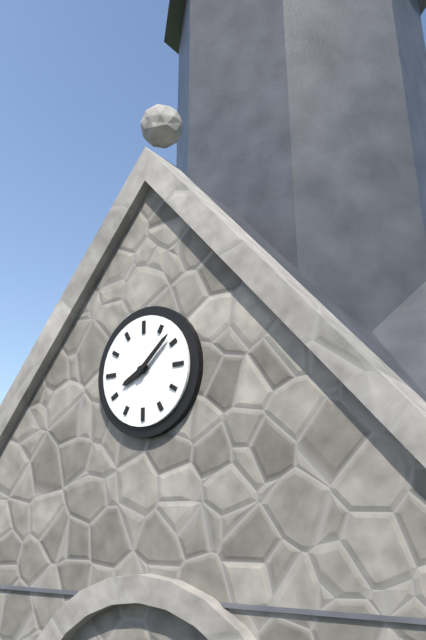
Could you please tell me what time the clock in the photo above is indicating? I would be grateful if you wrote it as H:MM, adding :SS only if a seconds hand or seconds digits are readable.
8:08
